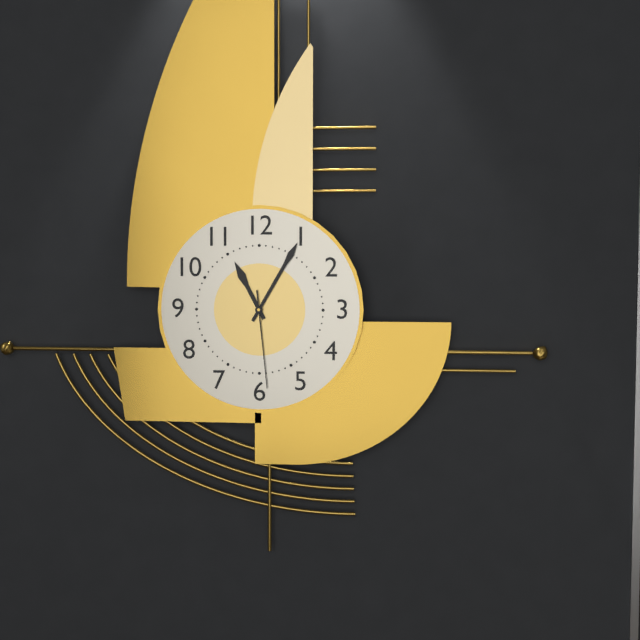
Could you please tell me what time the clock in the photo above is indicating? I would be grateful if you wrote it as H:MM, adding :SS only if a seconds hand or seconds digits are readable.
11:05:29
